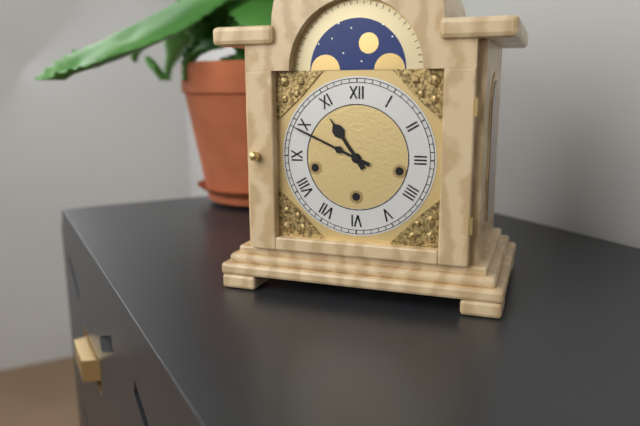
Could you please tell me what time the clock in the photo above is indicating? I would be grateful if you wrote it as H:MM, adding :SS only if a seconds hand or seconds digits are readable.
10:49
